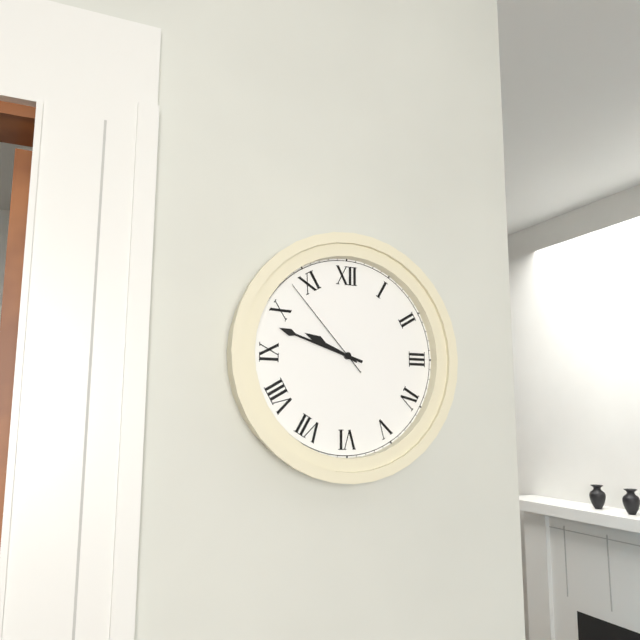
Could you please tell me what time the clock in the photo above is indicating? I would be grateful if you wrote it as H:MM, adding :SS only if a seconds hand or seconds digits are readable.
9:48:53
